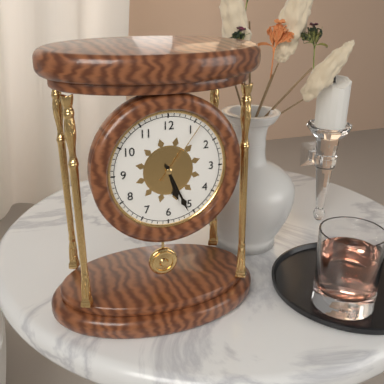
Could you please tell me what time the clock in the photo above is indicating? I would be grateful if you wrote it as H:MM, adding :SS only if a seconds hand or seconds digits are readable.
5:26:06
